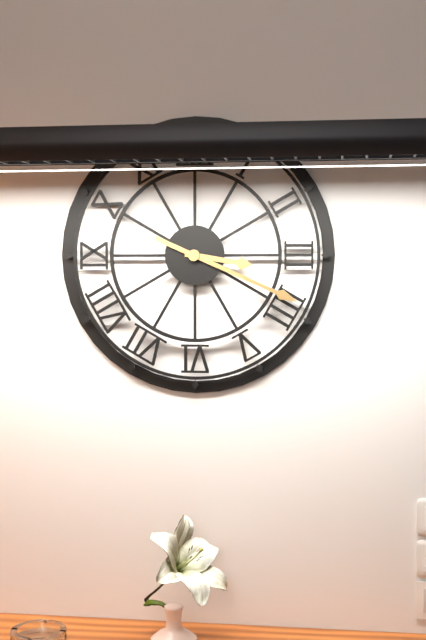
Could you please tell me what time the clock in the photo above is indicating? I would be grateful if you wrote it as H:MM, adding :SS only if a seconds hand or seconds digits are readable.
3:19
